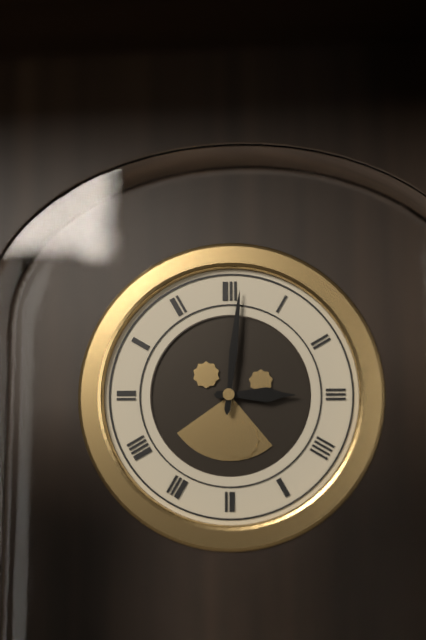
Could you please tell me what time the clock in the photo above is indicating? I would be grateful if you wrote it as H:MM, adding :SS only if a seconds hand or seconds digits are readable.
3:01
